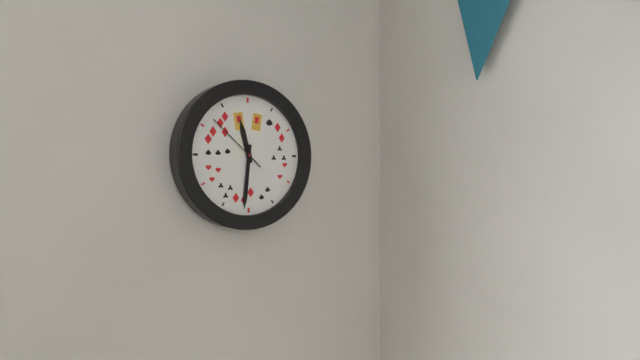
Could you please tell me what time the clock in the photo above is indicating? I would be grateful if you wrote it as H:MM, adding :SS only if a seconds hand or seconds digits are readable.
11:31:52
